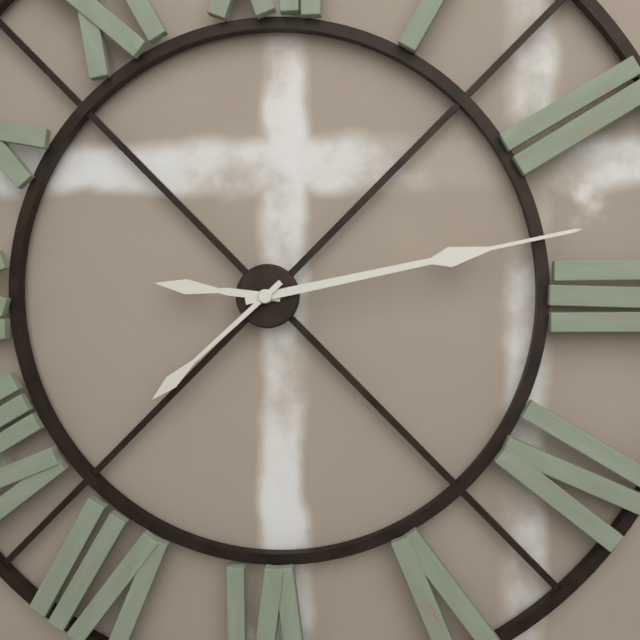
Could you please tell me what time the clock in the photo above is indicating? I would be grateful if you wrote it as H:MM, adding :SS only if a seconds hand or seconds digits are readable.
9:13:38
